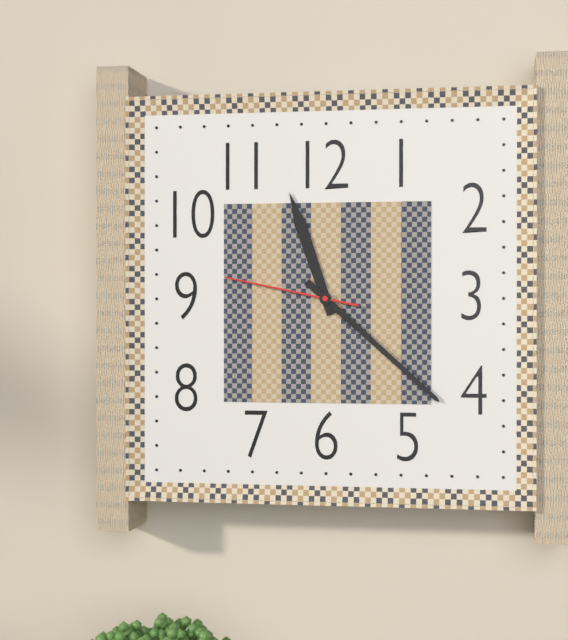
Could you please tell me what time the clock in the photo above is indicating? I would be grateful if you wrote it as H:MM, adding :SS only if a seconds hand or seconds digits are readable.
11:22:47
